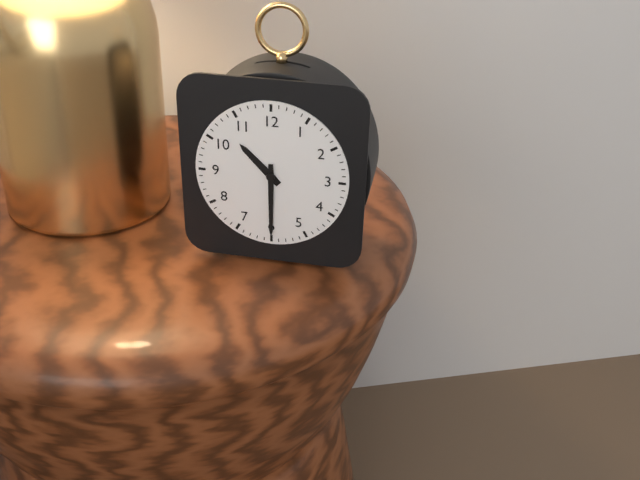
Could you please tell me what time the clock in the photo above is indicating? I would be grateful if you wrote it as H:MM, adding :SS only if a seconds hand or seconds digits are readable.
10:30
